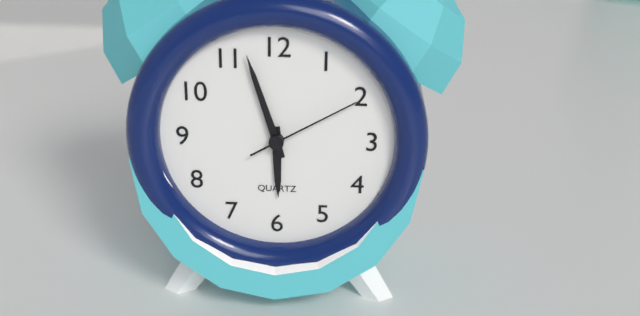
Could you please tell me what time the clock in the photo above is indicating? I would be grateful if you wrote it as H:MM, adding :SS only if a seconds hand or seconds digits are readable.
5:57:10
